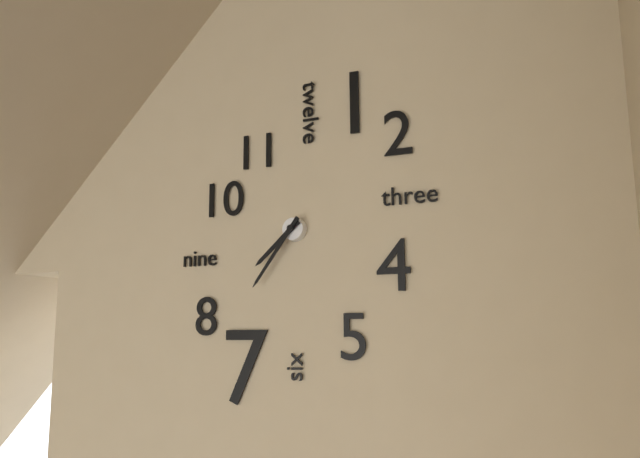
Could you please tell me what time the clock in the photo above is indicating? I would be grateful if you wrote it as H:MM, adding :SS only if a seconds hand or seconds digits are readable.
7:36
